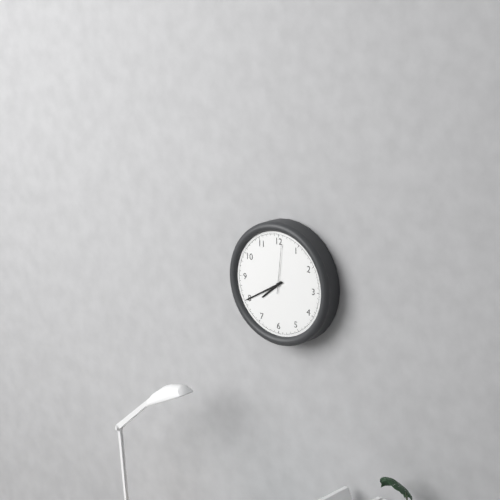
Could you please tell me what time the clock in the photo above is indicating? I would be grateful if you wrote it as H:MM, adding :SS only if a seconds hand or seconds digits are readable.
7:40:01
